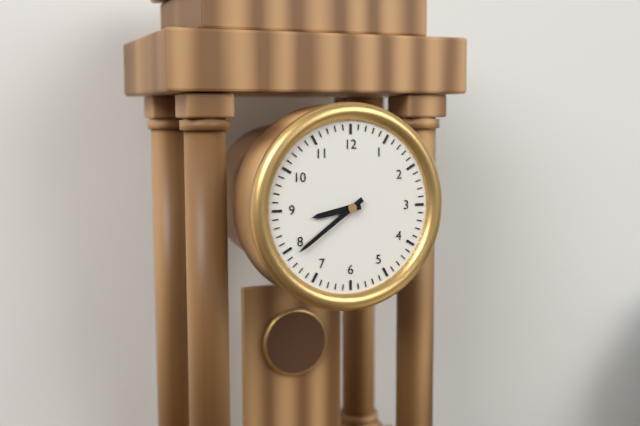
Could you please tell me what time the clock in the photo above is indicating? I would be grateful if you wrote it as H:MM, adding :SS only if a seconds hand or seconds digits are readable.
8:39
